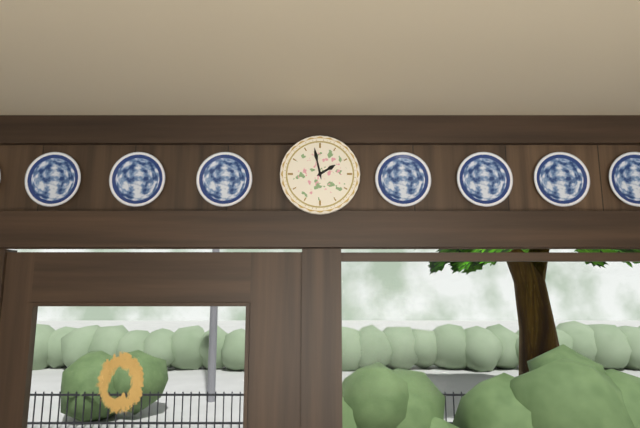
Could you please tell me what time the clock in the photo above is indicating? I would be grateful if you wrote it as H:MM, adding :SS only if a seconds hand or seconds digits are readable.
1:58
